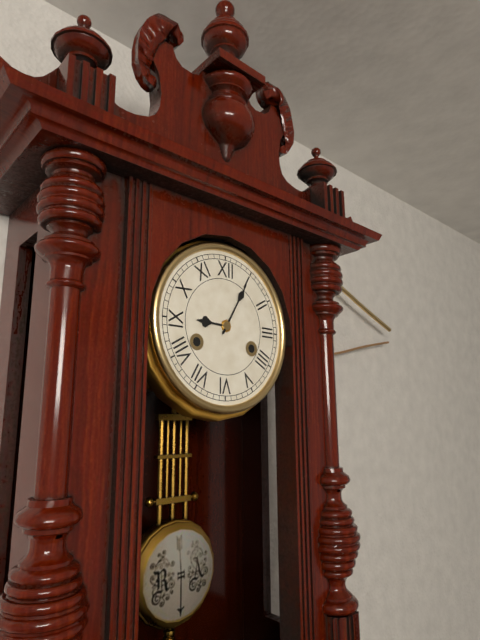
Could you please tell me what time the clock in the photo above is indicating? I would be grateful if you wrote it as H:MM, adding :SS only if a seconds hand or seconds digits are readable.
9:05
